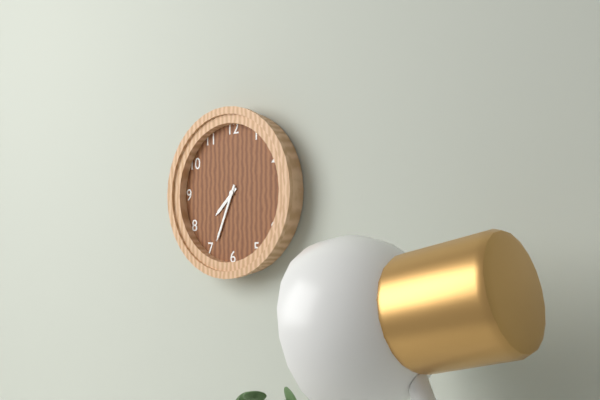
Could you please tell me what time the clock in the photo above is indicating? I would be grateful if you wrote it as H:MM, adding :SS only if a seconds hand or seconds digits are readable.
7:34
